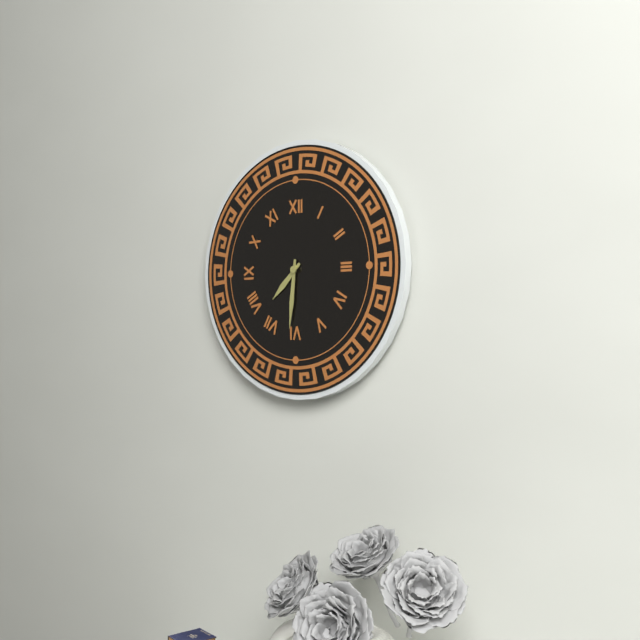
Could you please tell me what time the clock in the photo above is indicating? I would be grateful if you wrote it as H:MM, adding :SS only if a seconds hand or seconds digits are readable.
7:31
